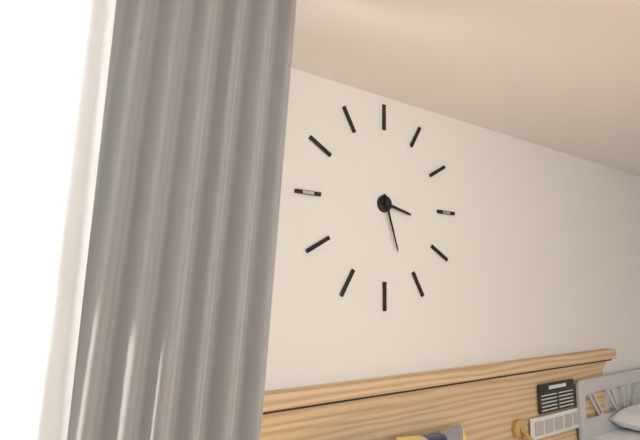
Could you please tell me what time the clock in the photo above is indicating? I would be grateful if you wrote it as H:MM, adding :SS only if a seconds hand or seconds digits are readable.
3:27
